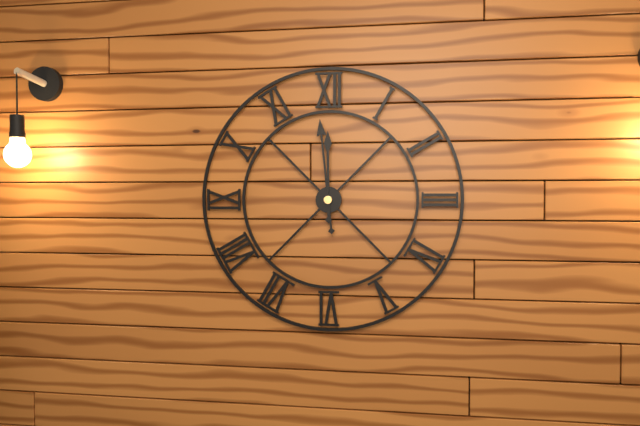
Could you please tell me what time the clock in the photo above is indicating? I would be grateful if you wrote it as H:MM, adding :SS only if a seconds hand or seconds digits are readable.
11:59
